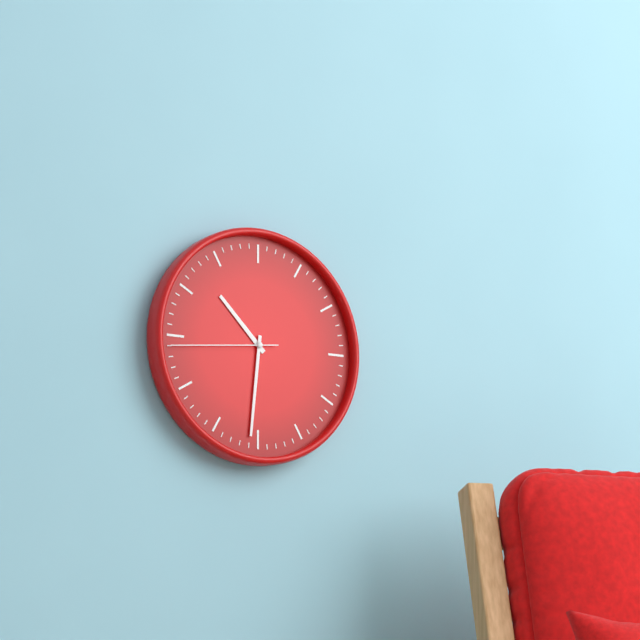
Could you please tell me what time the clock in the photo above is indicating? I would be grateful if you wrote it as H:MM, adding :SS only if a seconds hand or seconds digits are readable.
10:31:44
